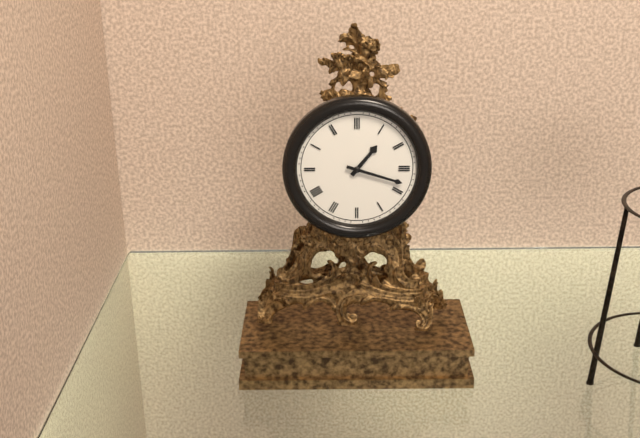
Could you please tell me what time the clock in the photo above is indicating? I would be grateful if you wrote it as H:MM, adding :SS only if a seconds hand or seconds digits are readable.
1:18
